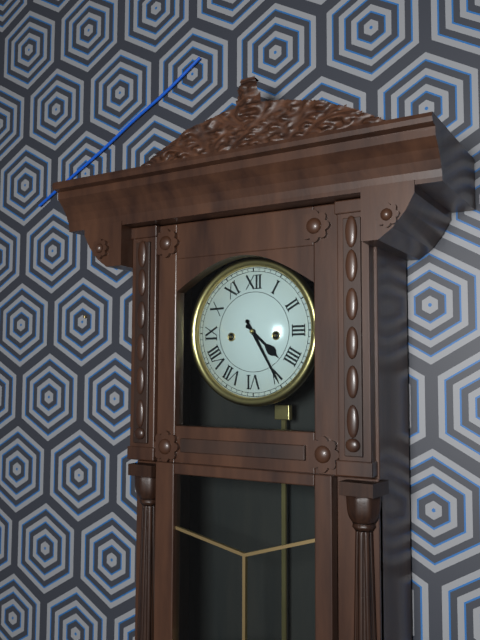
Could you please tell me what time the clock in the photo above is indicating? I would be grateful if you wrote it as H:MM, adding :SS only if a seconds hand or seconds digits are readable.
4:25
